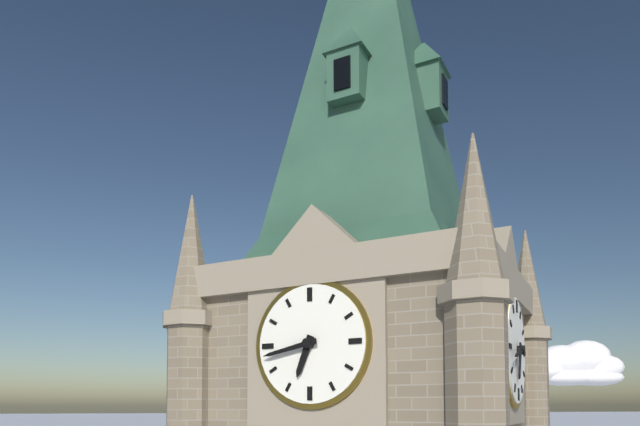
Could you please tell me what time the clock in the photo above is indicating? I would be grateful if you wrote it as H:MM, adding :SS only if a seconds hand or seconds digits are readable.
6:43
